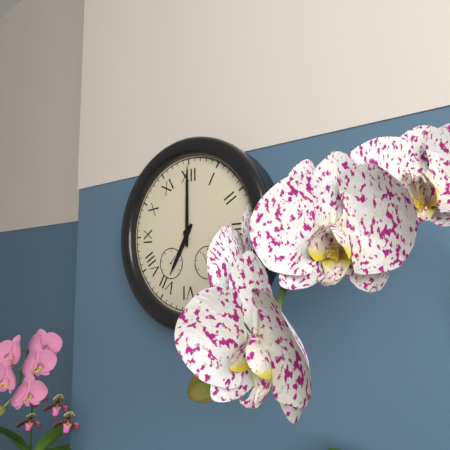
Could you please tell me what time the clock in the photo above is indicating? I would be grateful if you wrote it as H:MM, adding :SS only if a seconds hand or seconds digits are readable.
7:00
